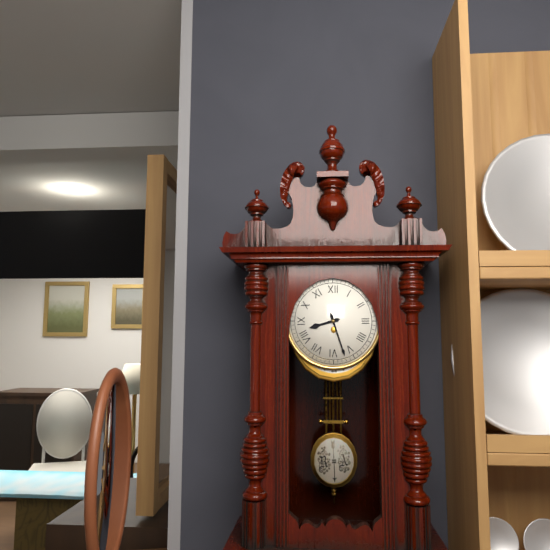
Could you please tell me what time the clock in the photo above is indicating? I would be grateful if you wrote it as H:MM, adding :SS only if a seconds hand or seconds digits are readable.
8:27
